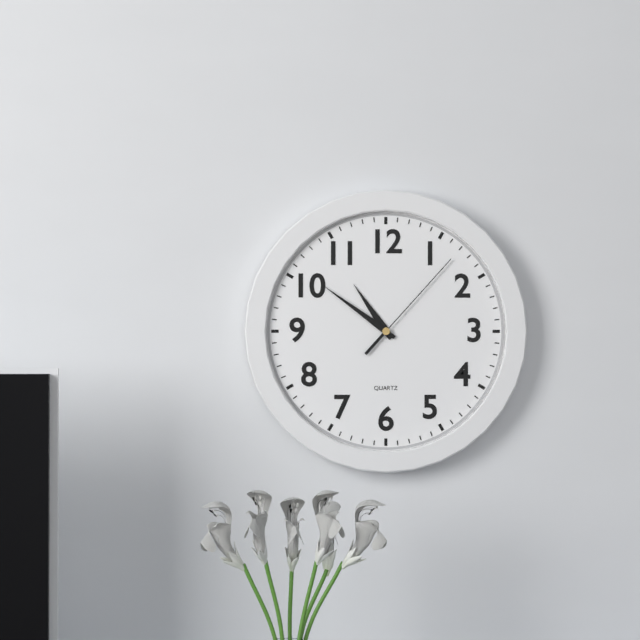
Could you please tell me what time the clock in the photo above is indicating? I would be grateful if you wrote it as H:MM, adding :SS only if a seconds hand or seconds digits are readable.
10:51:07
